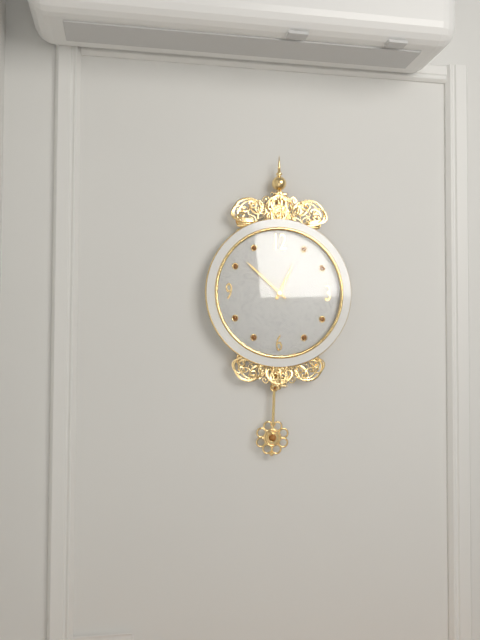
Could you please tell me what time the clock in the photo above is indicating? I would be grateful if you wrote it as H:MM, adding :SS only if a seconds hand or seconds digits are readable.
12:52
